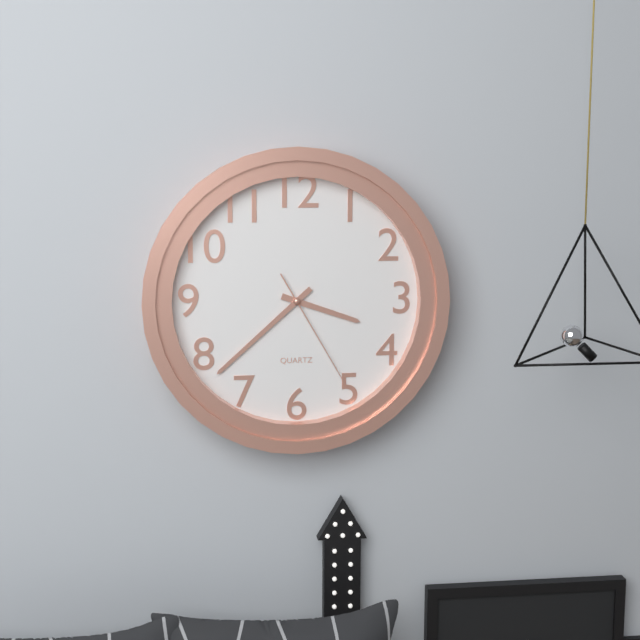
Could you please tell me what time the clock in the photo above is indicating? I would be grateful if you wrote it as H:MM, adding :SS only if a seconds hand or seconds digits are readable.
3:38:25
